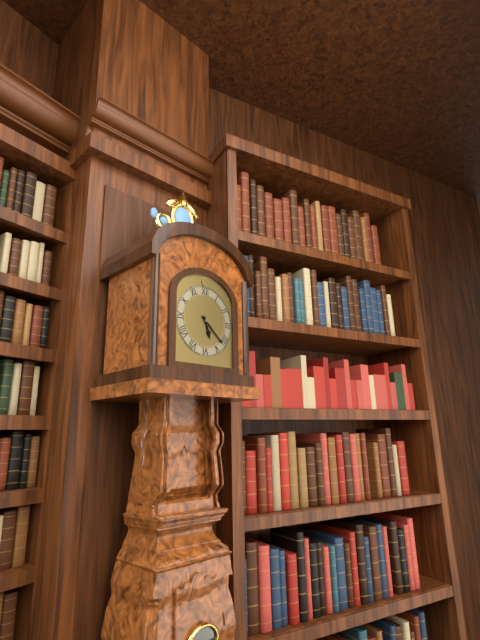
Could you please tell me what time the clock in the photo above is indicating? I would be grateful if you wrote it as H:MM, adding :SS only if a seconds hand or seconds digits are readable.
5:22
